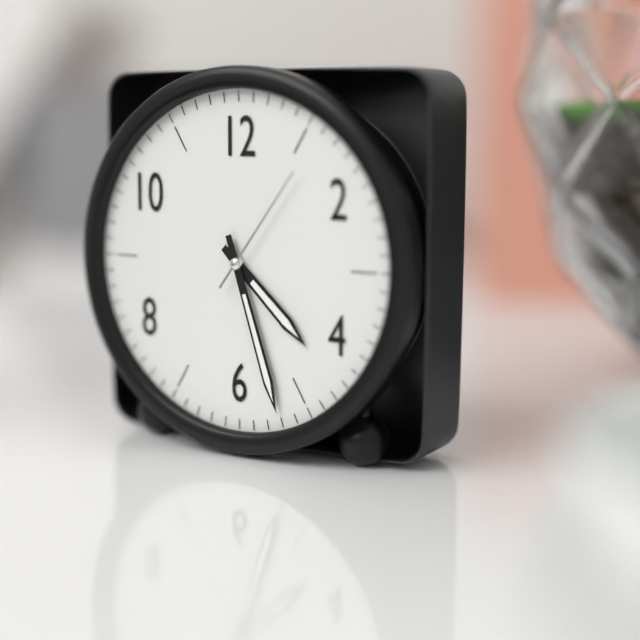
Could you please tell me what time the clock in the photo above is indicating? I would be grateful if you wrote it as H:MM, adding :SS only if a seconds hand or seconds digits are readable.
4:27:06
